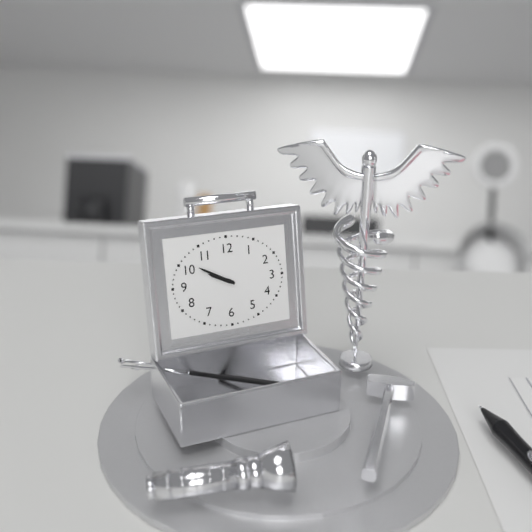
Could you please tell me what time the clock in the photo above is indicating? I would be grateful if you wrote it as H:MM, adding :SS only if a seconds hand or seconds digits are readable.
9:50
